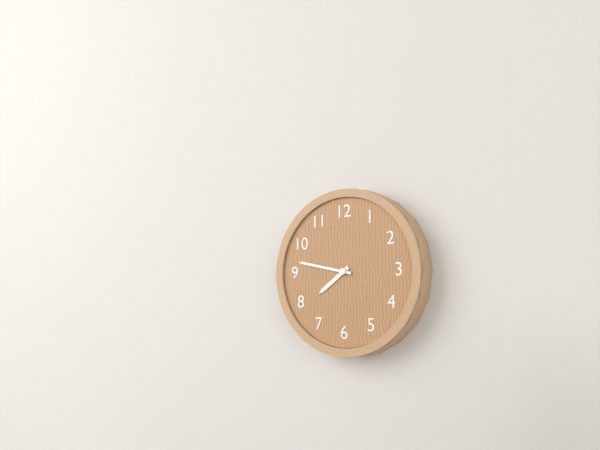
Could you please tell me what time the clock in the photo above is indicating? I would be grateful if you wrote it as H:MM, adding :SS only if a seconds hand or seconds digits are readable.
7:47
